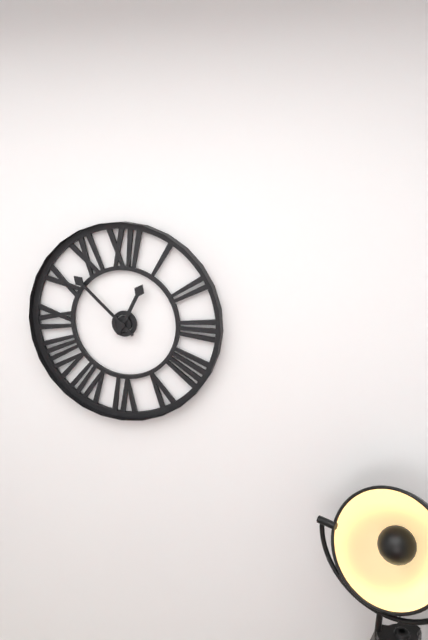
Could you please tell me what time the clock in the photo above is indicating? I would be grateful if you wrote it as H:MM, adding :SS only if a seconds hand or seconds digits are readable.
12:52
